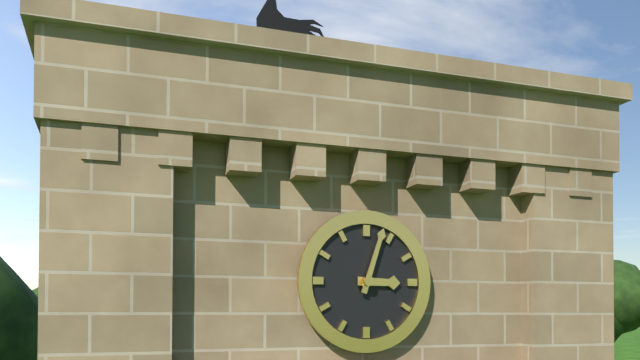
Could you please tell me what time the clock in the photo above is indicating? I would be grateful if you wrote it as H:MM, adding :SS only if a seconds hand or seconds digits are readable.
3:03
